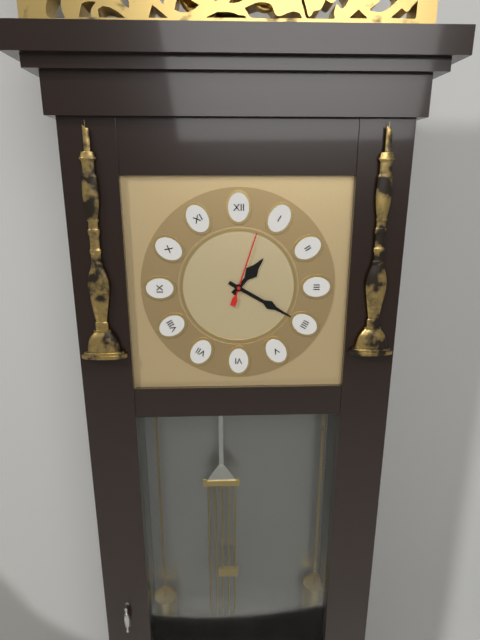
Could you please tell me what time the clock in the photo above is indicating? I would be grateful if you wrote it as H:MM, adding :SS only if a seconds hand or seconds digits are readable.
1:20:03
